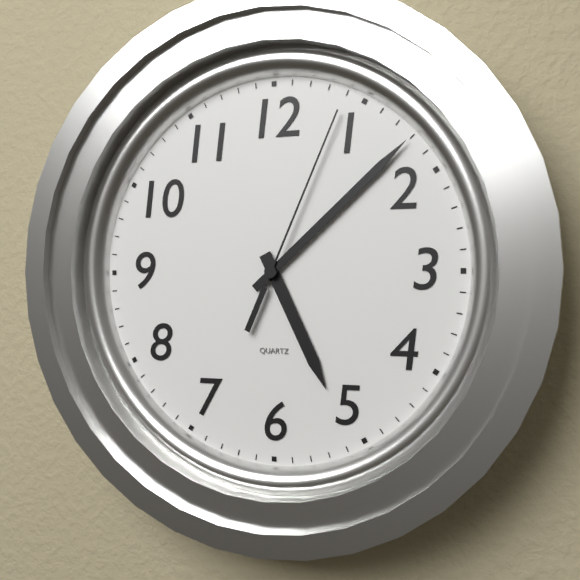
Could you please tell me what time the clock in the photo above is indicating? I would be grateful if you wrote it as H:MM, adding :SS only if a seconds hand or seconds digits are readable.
5:08:04
